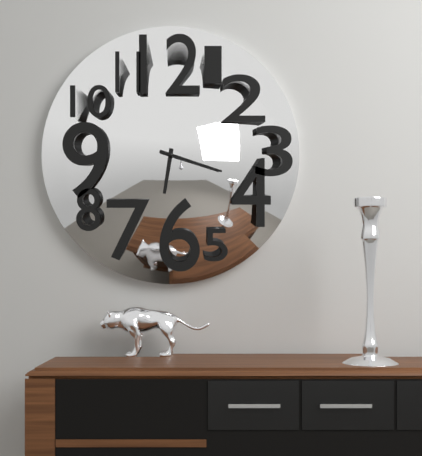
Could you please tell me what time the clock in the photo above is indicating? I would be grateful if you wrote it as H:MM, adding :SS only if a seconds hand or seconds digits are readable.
6:18
